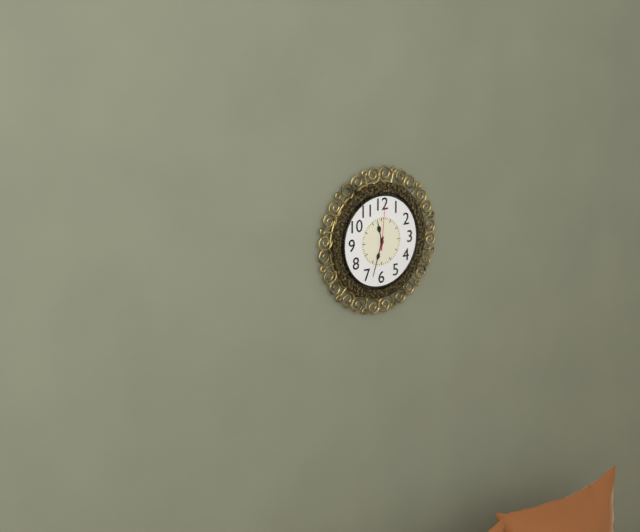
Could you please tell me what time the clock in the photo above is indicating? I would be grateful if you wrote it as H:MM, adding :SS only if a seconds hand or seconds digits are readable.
11:33
